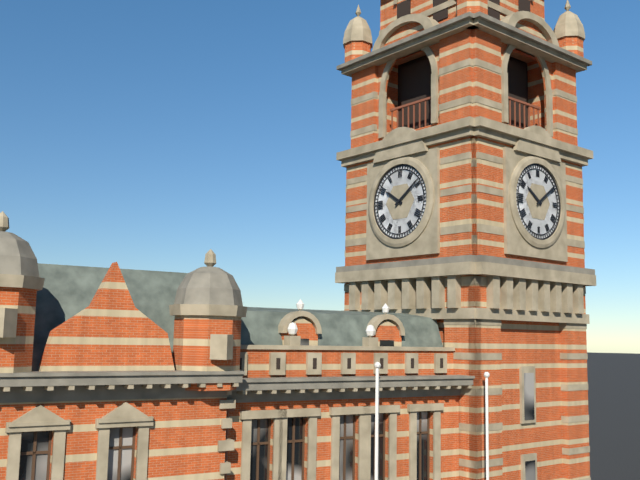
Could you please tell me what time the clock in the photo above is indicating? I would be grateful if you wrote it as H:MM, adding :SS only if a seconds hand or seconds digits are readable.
10:09
